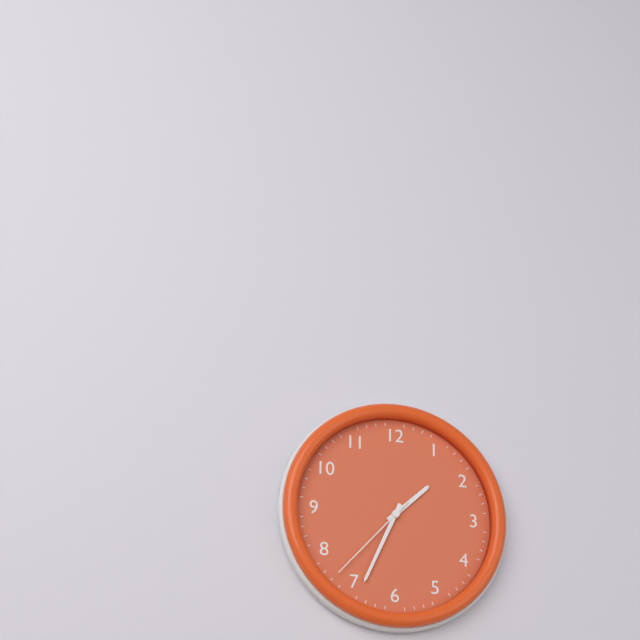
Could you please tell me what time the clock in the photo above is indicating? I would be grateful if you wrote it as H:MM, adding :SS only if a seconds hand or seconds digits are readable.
1:34:37
